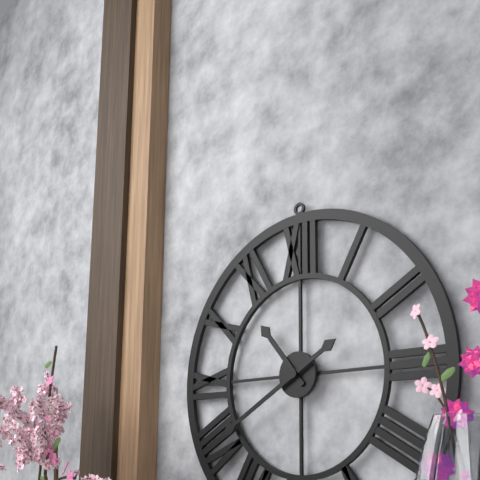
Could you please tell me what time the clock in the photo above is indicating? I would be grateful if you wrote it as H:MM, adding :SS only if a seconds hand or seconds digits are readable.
10:40
